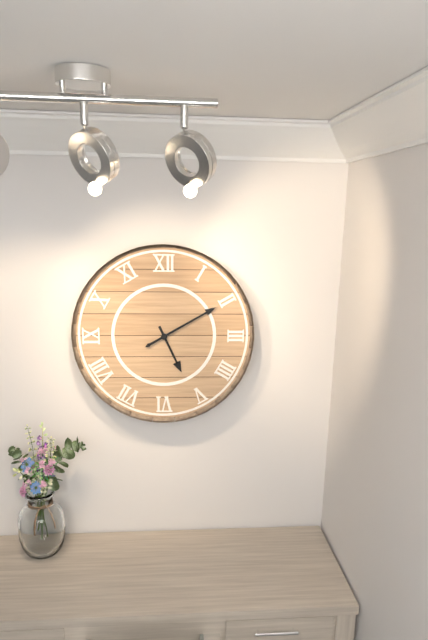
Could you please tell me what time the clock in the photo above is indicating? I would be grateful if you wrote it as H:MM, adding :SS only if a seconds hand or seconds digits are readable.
5:10
